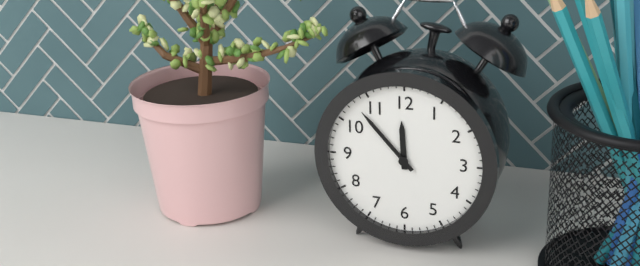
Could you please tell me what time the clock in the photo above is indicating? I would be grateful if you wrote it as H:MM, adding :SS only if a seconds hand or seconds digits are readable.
11:53
